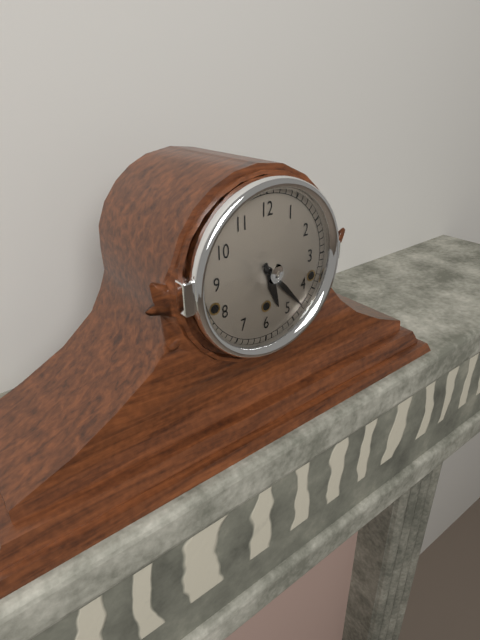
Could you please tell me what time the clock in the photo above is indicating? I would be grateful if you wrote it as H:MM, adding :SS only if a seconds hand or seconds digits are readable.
5:23
